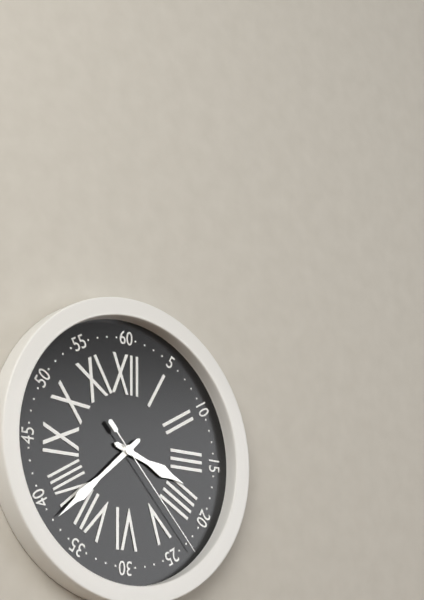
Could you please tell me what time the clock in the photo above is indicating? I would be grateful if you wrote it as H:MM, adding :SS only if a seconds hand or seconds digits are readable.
3:38:23
